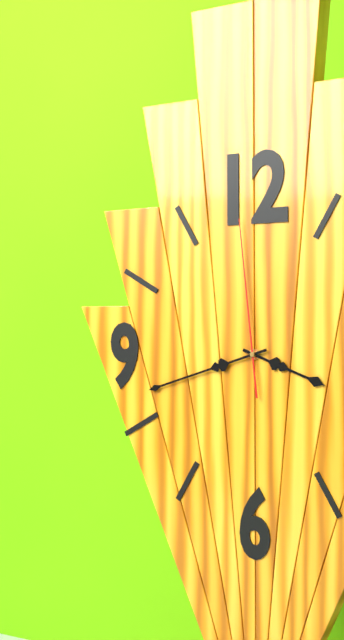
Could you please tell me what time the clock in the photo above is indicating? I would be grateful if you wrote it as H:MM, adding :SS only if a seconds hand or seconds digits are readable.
3:42:59
